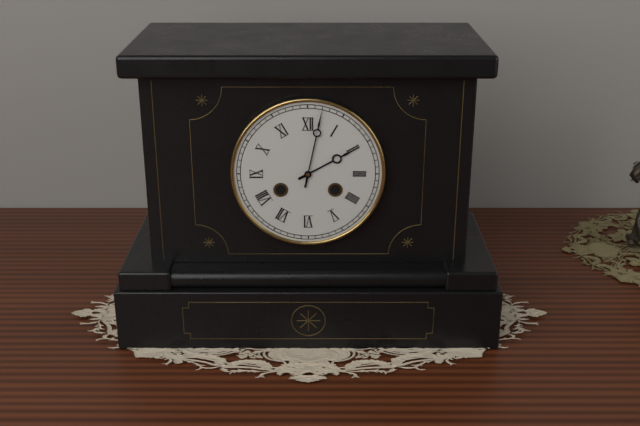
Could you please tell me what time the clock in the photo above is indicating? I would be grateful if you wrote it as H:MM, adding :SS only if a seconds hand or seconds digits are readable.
2:02
